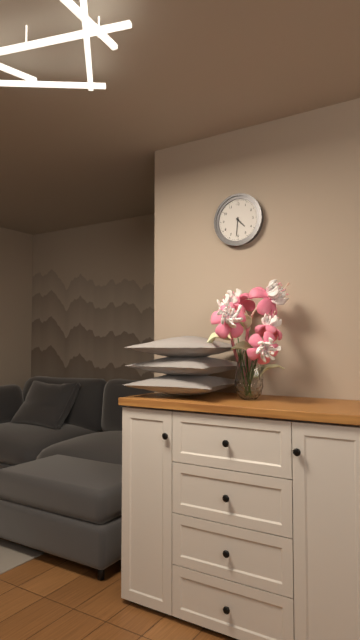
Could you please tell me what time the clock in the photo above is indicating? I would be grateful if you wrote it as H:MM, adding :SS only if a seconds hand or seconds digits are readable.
4:31
